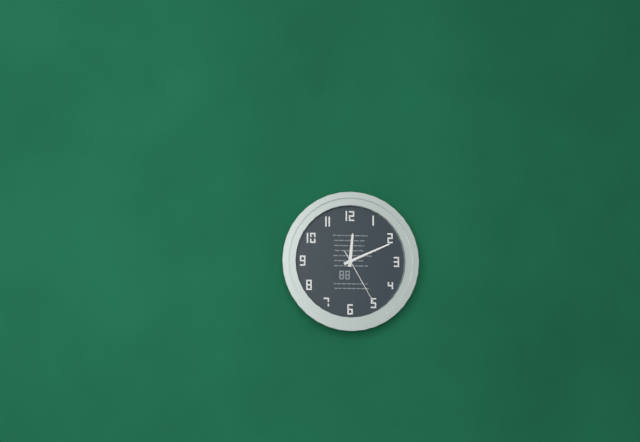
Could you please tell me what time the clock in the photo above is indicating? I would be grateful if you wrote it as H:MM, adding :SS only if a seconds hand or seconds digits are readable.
12:11:25
